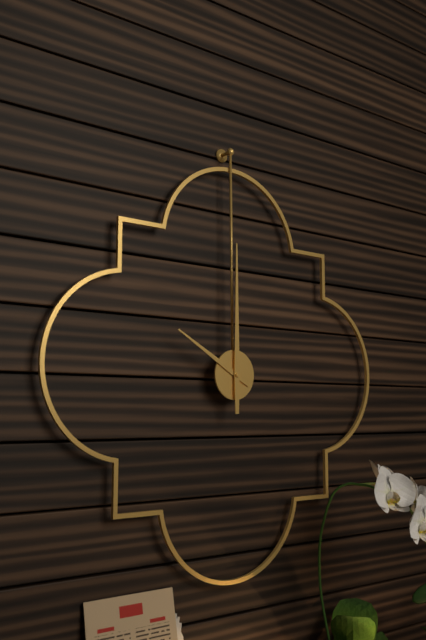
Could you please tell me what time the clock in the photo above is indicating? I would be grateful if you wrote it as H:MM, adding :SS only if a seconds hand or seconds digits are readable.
10:00
